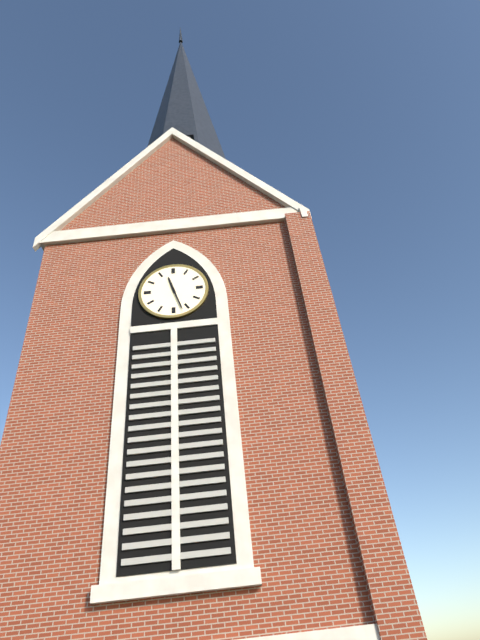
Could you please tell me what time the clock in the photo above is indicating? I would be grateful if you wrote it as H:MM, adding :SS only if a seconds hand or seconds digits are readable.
11:27
